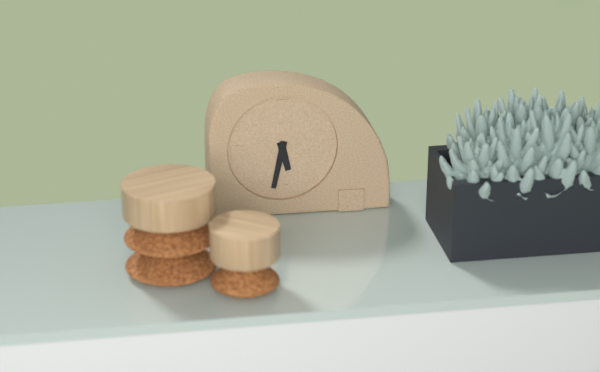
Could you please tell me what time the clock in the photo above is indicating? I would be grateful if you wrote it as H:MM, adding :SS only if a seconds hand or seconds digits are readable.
5:32
